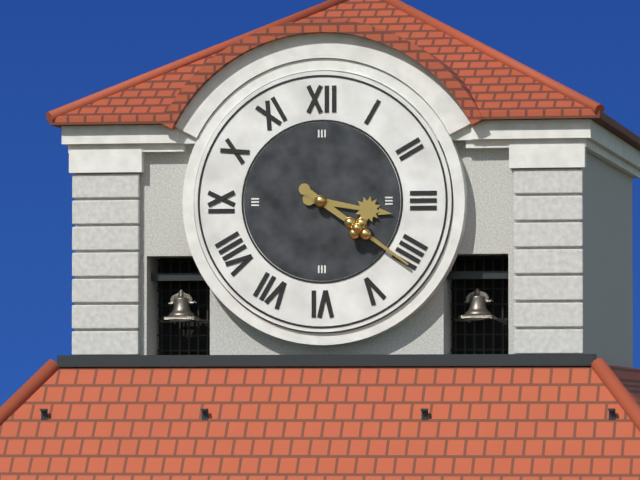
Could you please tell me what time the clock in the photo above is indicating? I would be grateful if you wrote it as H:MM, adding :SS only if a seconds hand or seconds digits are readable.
3:21
